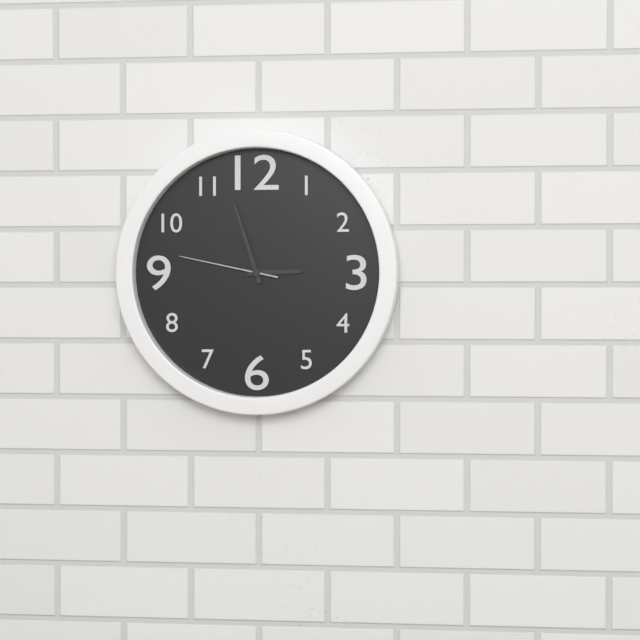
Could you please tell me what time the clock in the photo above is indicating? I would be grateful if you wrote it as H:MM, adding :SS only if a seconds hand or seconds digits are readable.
2:57:47
